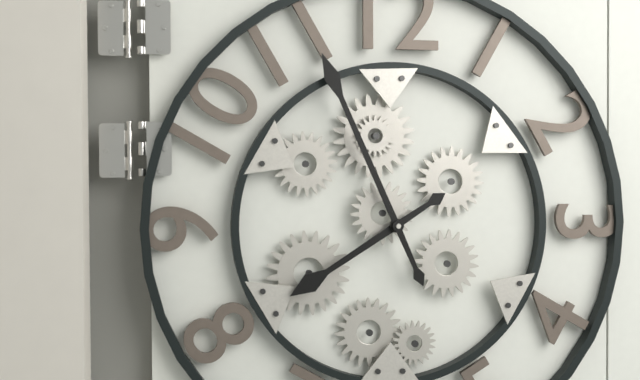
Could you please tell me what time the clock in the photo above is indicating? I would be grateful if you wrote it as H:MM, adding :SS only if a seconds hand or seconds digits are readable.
7:56
